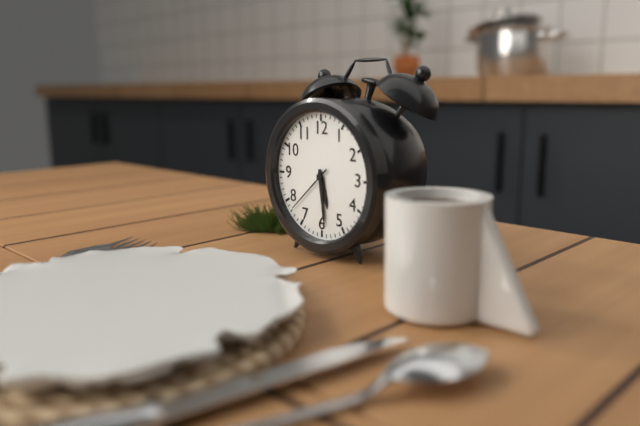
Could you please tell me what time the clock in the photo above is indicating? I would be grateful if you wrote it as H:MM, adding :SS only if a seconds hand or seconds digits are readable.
5:29:38
